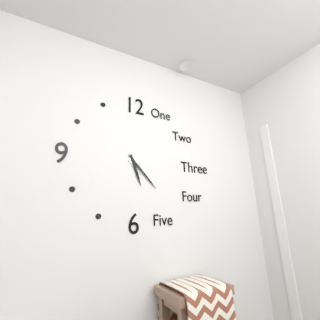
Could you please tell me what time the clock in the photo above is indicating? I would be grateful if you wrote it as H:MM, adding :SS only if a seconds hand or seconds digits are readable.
5:23
